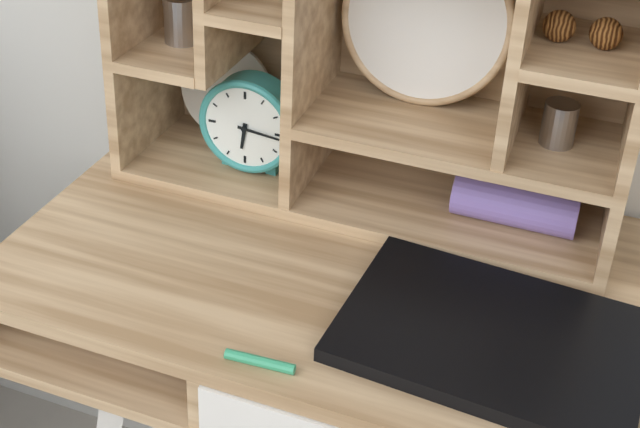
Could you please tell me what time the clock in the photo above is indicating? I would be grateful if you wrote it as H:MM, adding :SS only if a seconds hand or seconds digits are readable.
6:16
